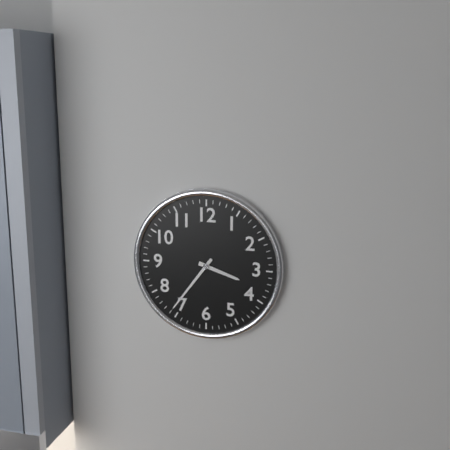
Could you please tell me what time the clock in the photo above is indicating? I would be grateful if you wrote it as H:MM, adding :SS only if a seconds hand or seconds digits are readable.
3:36
